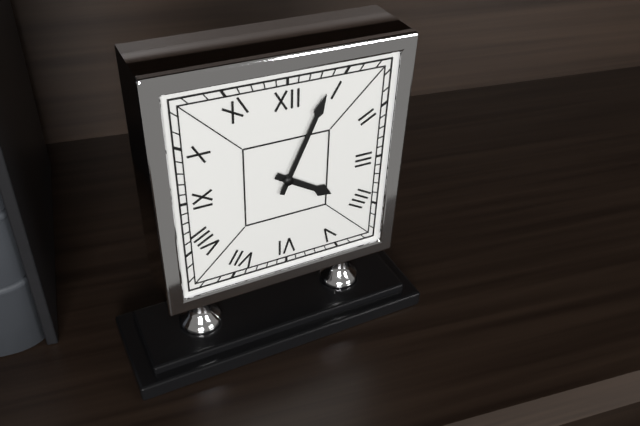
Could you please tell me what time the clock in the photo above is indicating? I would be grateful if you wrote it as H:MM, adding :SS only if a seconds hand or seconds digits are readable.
4:04
